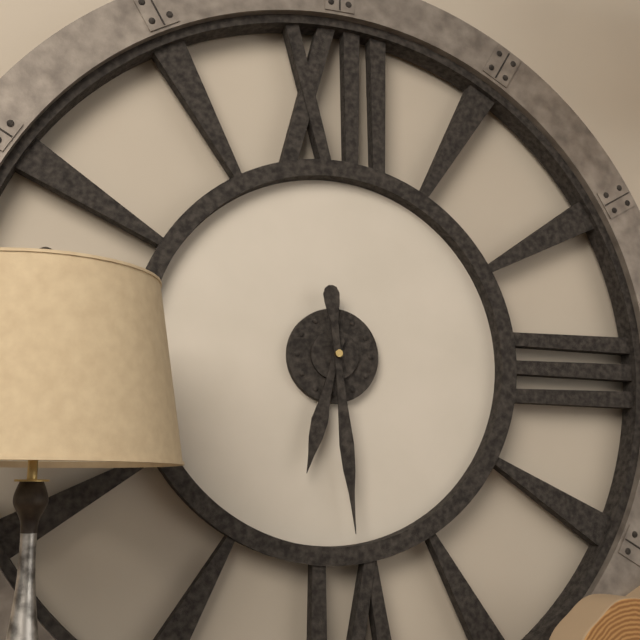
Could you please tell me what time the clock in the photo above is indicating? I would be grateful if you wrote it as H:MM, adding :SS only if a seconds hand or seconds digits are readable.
6:29
